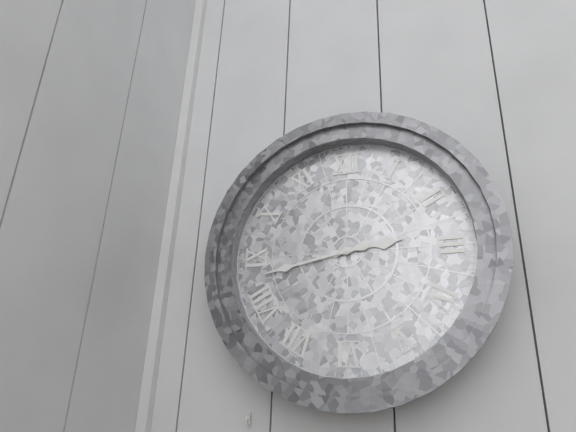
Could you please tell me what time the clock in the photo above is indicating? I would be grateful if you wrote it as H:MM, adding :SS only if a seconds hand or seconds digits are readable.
2:43
